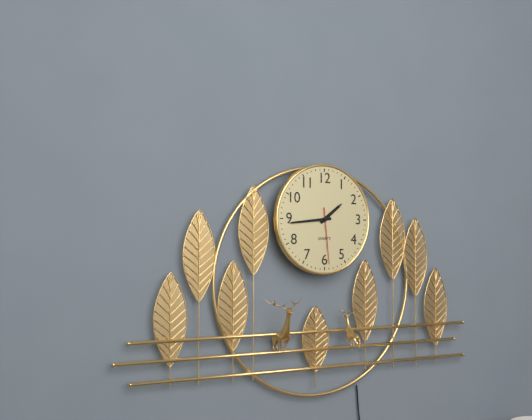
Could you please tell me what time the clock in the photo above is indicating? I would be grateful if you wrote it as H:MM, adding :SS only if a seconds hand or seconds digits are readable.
1:44:29
